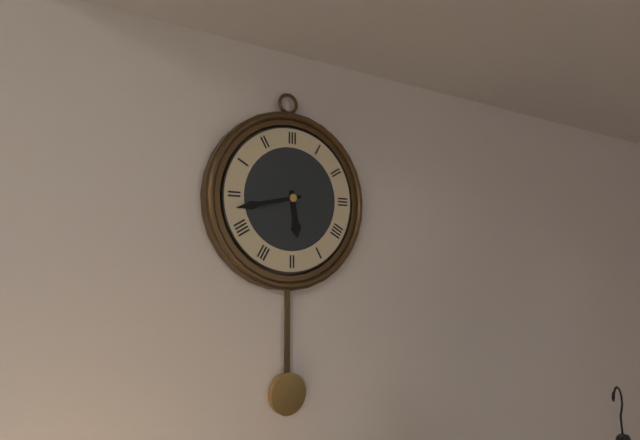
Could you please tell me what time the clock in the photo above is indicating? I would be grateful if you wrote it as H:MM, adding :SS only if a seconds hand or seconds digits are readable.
5:43
